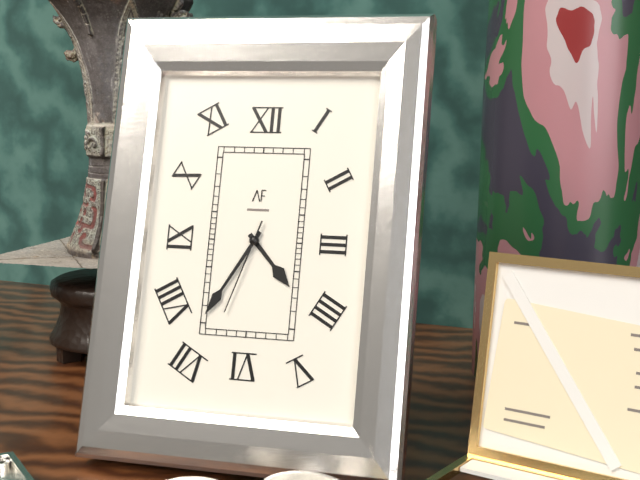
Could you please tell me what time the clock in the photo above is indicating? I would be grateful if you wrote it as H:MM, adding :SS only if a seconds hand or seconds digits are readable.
4:35:33
